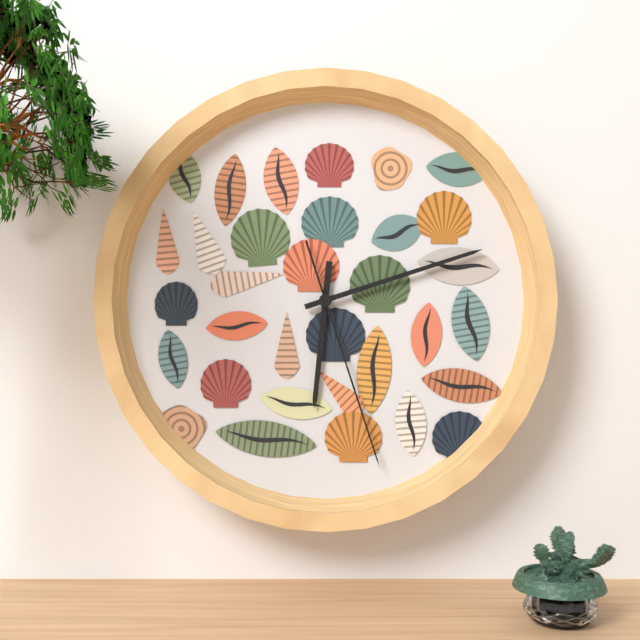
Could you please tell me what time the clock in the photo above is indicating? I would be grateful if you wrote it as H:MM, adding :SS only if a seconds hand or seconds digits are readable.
6:12:27
